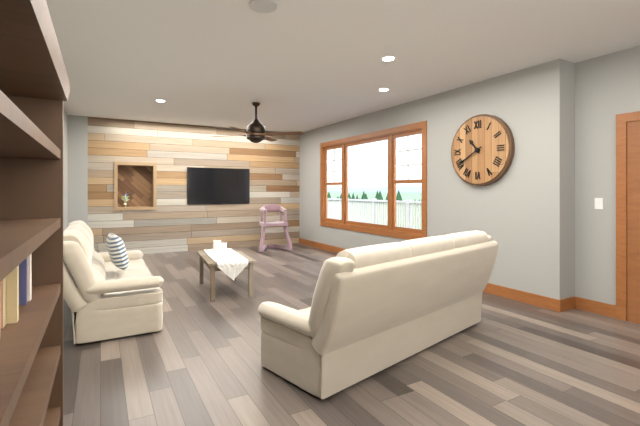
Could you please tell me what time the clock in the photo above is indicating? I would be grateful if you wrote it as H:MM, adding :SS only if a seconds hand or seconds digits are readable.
10:40
